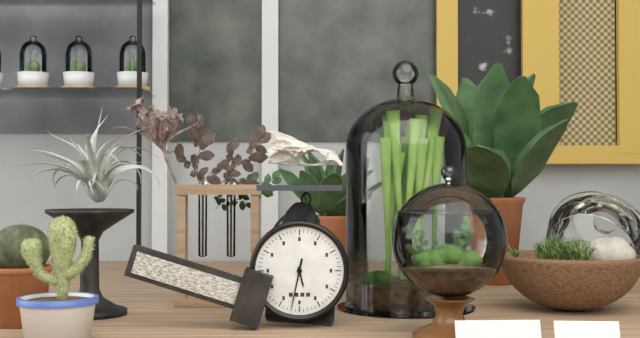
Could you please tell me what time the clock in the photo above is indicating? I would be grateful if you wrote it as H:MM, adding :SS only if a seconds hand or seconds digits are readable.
5:32
